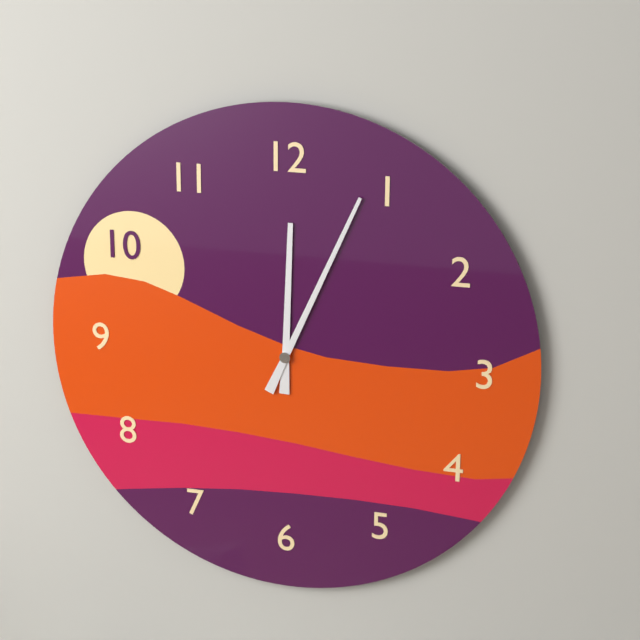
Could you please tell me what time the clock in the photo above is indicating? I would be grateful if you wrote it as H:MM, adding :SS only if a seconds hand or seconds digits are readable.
12:04
